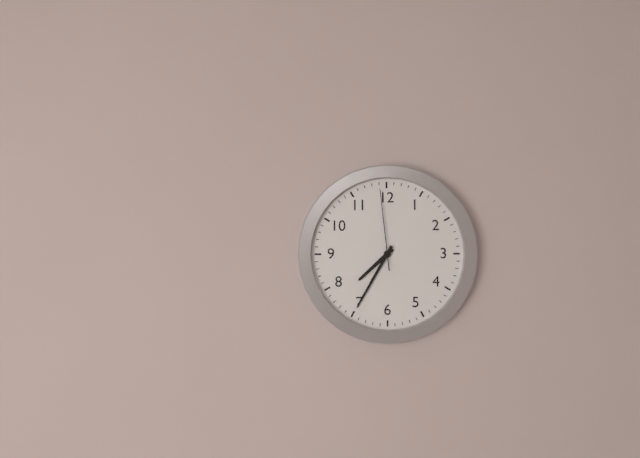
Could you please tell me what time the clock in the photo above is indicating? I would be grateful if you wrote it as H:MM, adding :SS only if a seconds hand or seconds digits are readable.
7:35:59
